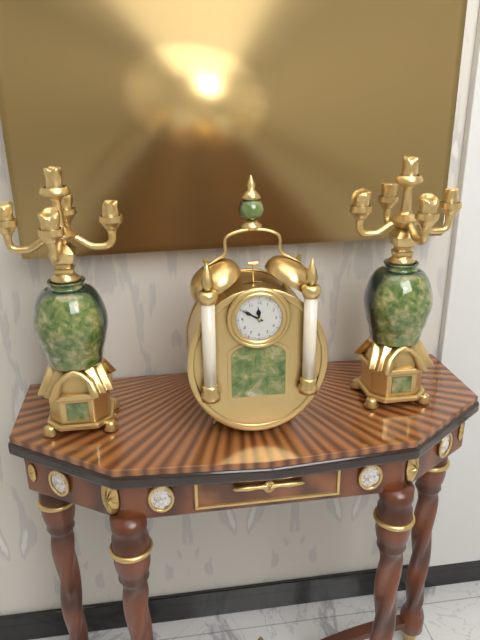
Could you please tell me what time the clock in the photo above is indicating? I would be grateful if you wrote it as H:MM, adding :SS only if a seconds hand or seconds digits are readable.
11:50
